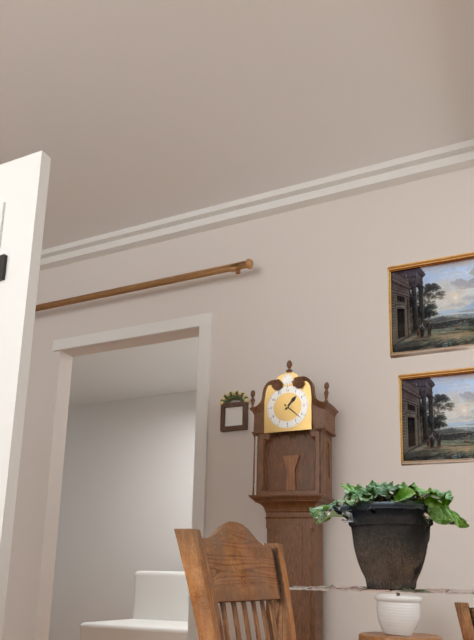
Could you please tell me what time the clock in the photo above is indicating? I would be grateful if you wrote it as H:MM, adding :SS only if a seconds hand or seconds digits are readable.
1:22
